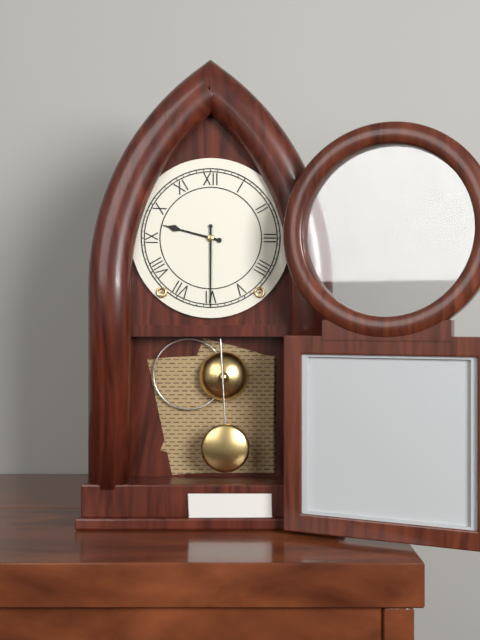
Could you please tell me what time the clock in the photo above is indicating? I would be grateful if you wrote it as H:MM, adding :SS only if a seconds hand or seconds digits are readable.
9:30
